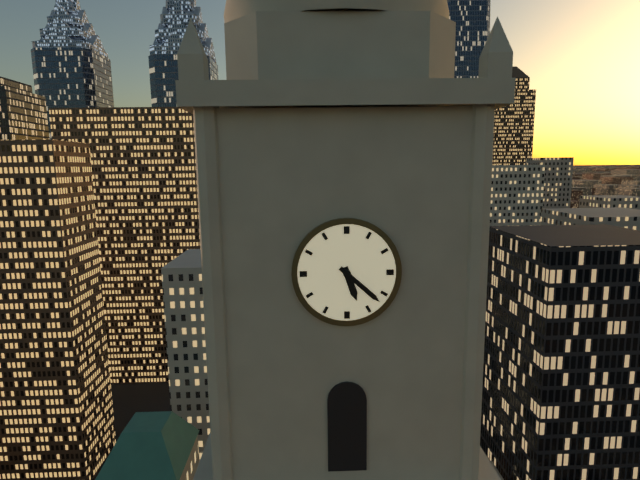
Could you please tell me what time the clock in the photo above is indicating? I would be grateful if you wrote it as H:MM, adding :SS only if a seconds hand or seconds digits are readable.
5:22
